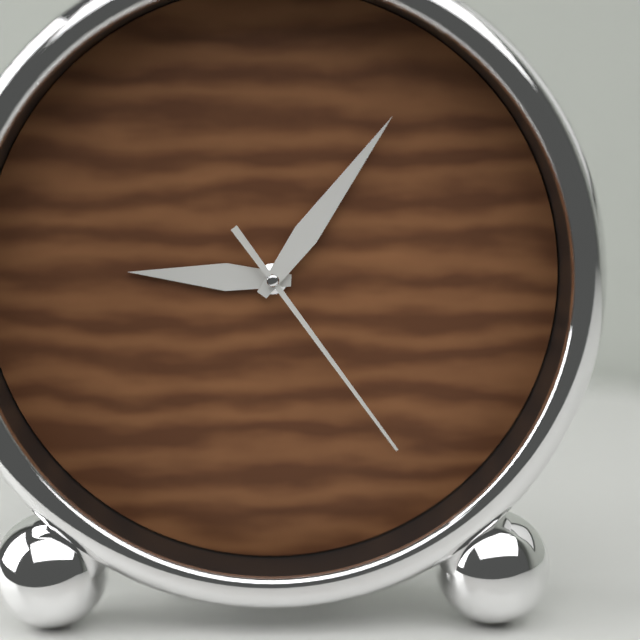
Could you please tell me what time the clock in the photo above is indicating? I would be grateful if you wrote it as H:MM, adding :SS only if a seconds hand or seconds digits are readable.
9:06:24
